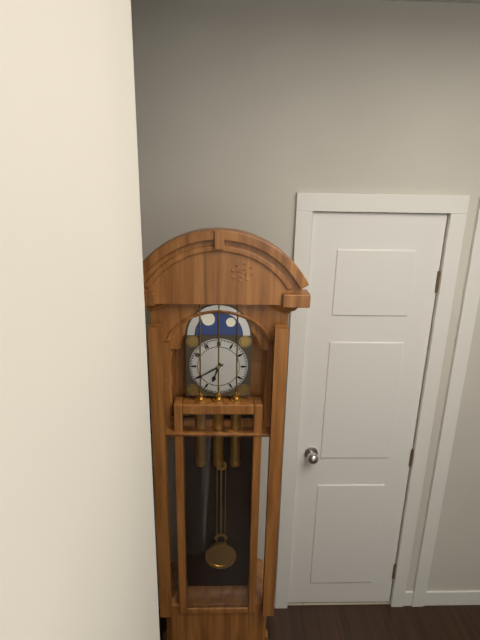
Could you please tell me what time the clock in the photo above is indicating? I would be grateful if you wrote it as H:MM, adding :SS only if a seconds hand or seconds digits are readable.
6:40
